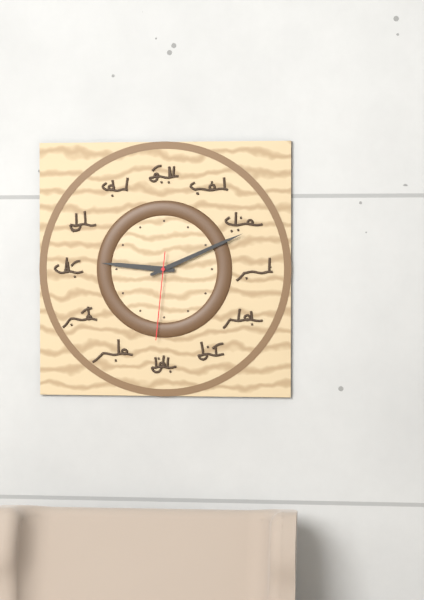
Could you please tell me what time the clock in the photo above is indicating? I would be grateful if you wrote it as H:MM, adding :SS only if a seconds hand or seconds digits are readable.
9:11:31
